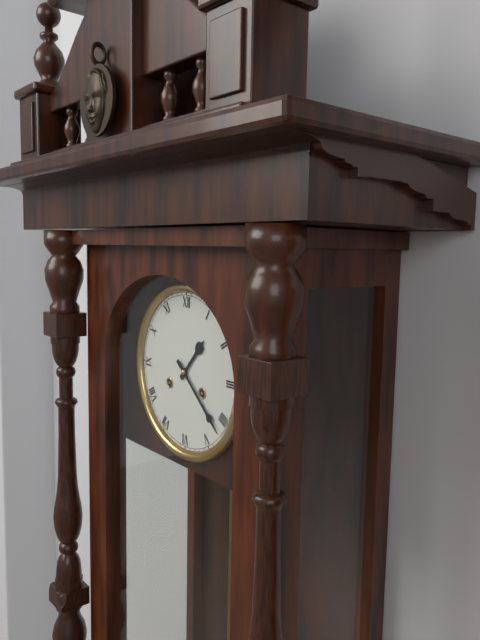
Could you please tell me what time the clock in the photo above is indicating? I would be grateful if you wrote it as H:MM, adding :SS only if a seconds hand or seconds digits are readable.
1:22
